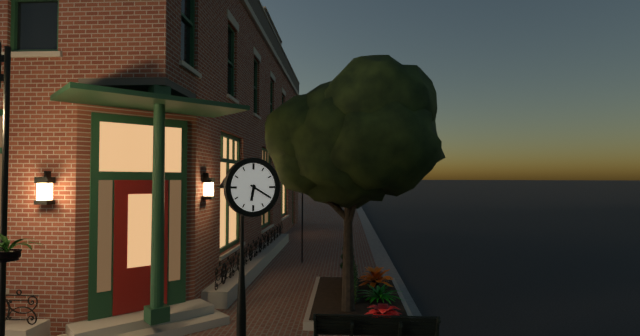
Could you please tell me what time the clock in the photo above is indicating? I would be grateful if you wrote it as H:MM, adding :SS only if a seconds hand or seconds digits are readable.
6:20
